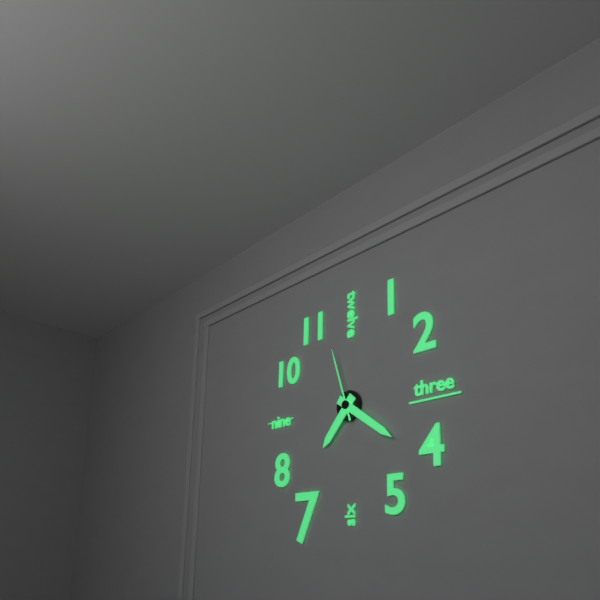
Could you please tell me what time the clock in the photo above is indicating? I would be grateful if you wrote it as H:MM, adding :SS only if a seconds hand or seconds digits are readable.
7:21:57
